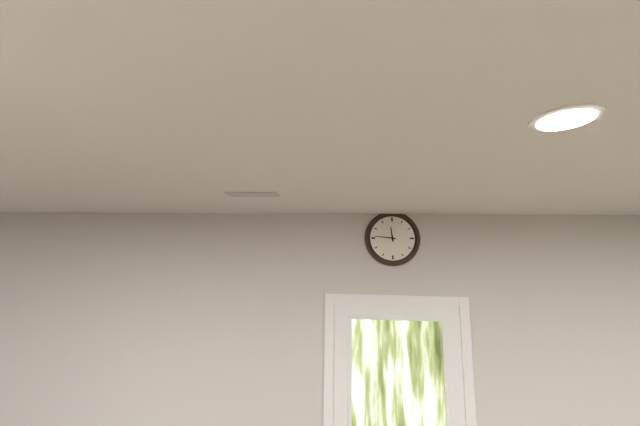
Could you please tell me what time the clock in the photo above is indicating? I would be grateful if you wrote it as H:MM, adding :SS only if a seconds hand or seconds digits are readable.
11:46
